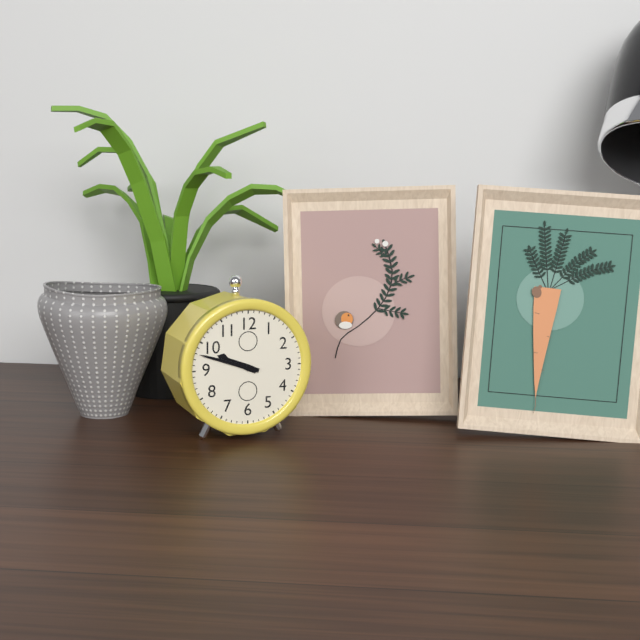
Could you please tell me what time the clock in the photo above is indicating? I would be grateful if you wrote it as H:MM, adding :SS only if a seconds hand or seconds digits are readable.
9:48
